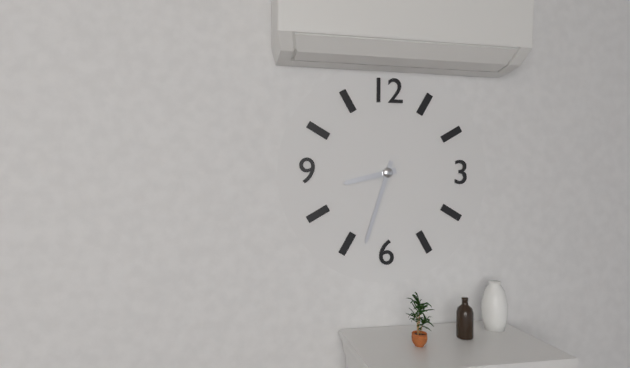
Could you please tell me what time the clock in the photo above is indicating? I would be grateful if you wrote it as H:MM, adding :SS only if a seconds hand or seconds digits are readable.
8:33
